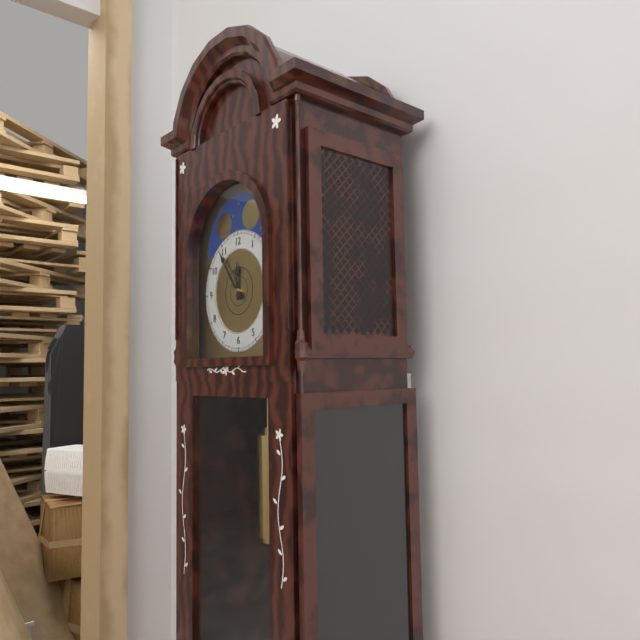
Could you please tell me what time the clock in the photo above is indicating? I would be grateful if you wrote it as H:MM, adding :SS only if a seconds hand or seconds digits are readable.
11:54
